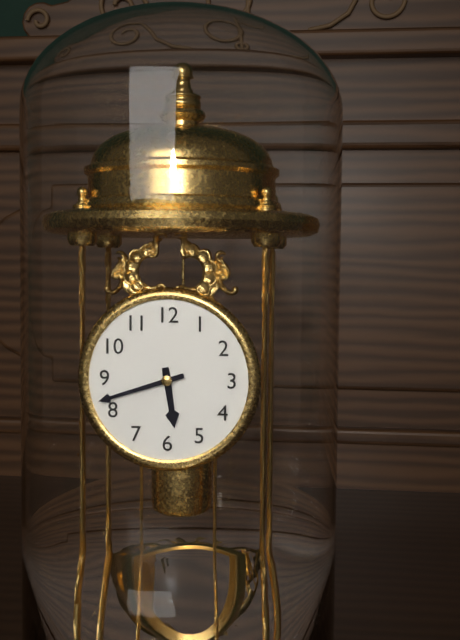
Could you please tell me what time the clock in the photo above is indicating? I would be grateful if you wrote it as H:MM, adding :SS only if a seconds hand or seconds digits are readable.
5:42
